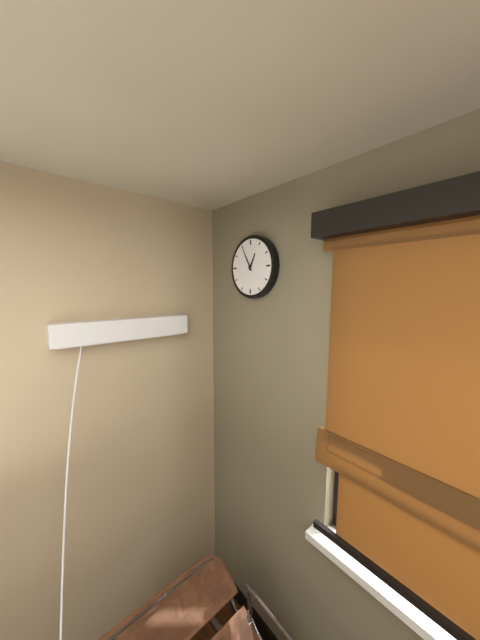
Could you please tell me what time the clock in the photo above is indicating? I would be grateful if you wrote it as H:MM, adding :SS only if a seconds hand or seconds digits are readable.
12:55
